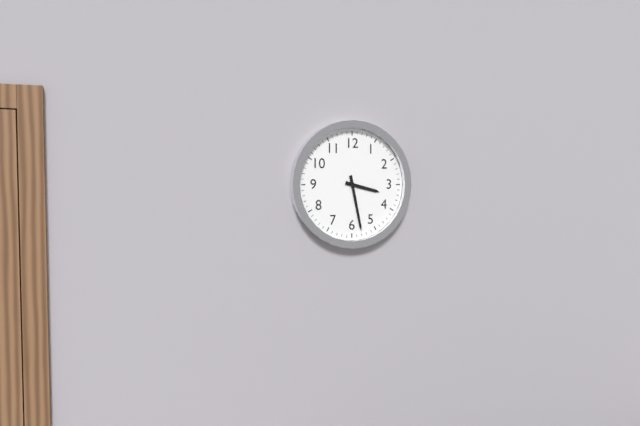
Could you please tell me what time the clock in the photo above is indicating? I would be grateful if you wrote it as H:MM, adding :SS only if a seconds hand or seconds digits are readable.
3:28
